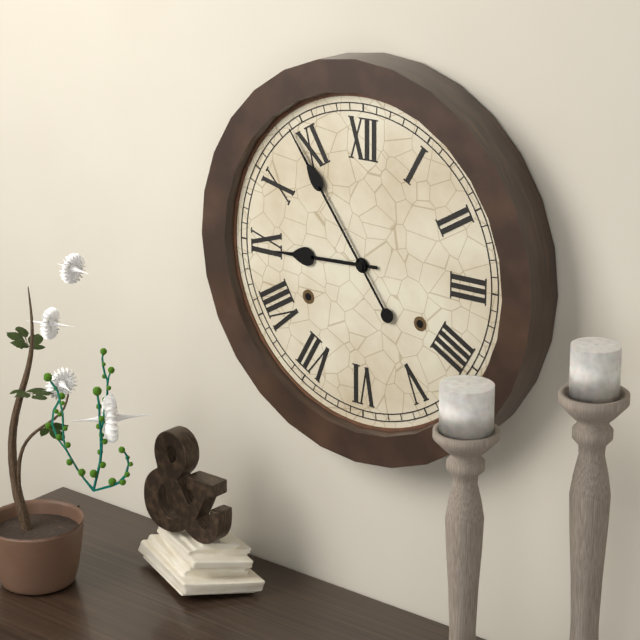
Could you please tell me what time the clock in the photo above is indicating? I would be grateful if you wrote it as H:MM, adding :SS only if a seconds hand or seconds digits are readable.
8:54
